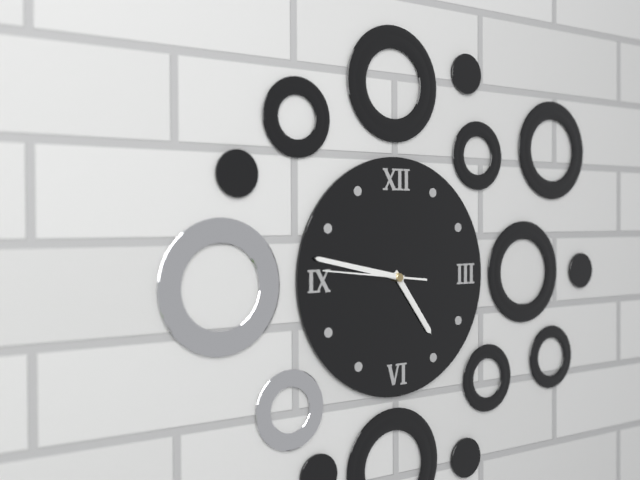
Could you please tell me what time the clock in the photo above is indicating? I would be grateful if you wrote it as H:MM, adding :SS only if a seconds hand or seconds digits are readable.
4:47:46
